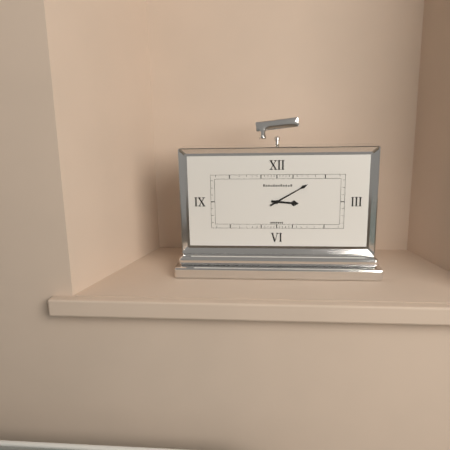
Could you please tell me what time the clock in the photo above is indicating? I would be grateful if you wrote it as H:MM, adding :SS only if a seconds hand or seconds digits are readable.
3:10
